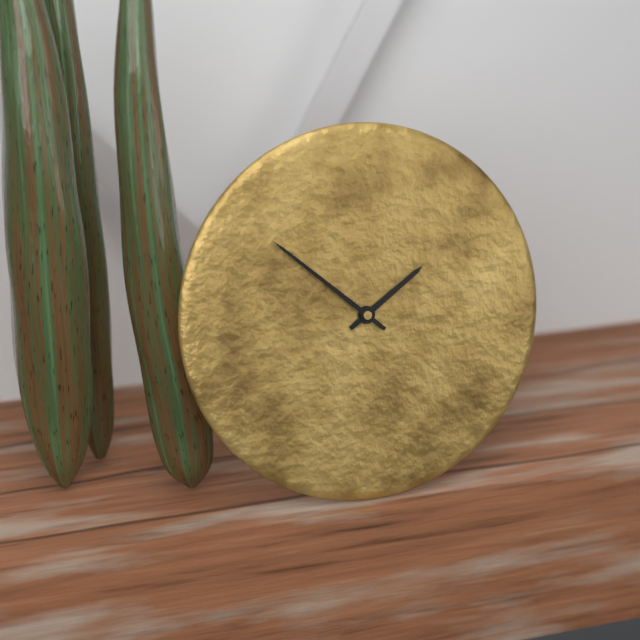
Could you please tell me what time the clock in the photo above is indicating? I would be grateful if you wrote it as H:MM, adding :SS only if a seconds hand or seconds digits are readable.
1:52
